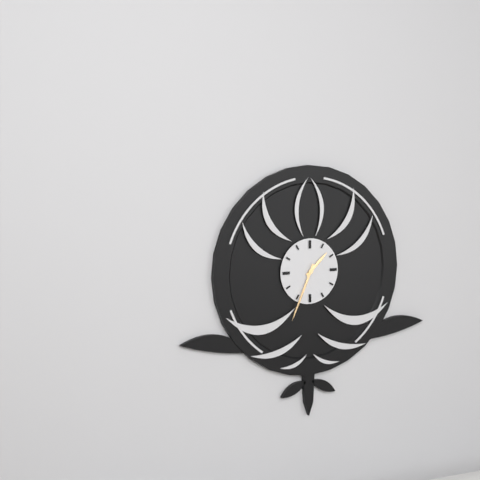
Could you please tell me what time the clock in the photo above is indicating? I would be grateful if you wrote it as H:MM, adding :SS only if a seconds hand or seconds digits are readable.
1:34
